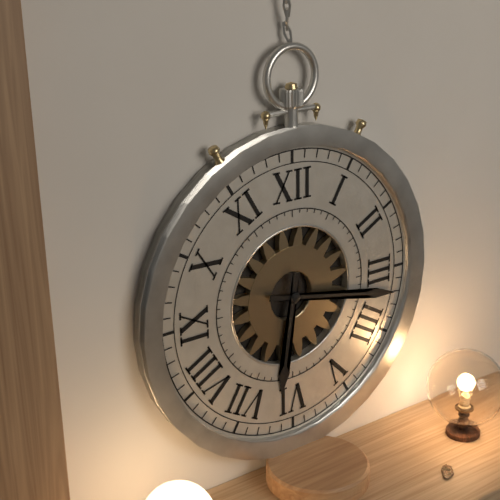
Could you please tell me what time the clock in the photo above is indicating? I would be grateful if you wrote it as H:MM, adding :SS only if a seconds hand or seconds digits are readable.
6:17
